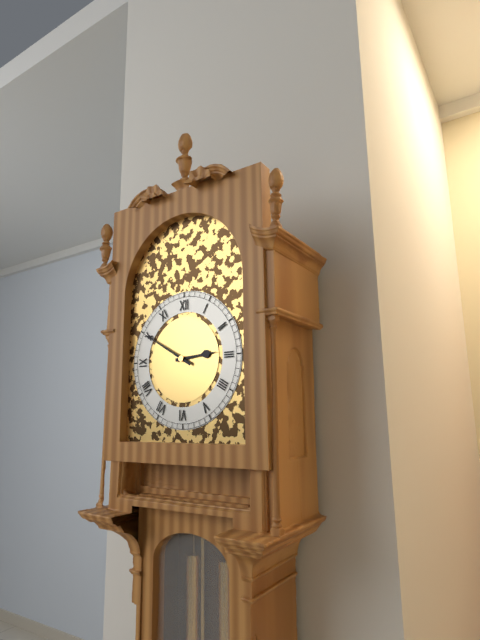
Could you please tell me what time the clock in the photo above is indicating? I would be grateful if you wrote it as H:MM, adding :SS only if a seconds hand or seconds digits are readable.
2:50
